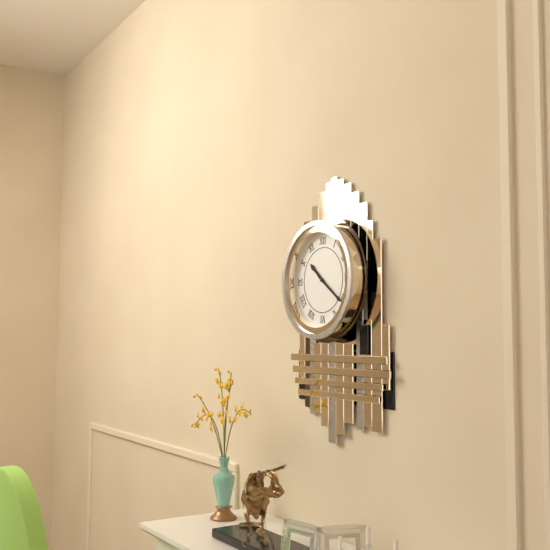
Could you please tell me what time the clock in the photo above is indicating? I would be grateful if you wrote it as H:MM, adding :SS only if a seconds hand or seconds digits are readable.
10:21
